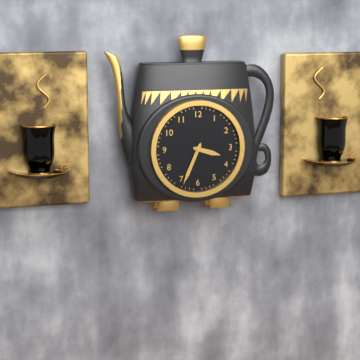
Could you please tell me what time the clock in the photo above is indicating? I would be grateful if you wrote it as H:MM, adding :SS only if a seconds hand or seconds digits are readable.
3:34
